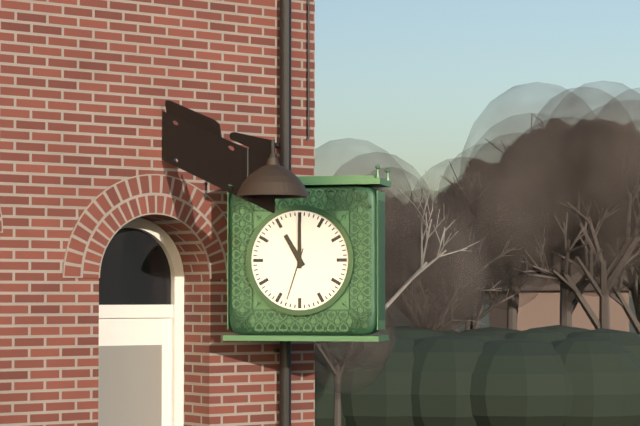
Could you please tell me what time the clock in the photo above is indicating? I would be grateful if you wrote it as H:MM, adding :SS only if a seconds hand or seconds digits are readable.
11:00:33
